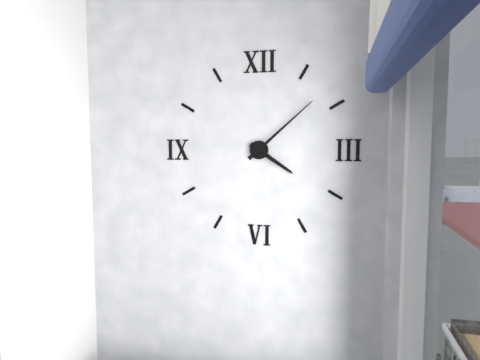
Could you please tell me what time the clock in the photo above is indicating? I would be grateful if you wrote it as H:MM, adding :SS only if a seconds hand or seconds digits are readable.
4:08
